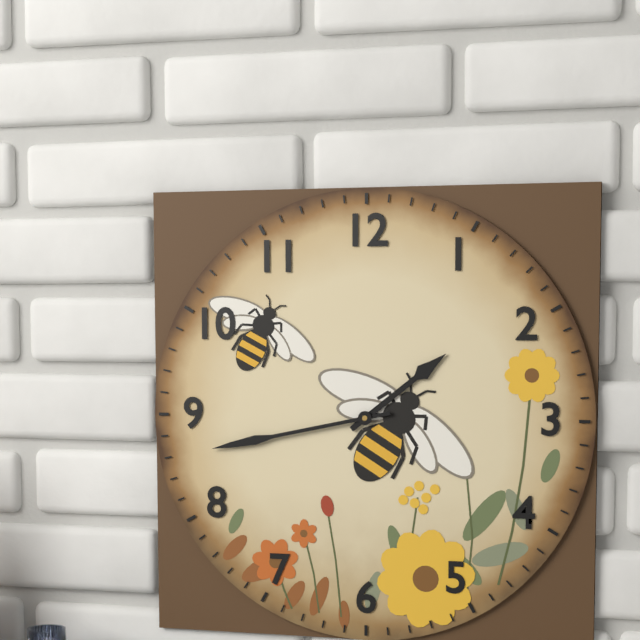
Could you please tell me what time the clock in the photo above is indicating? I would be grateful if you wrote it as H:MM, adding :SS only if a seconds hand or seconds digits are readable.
1:43
